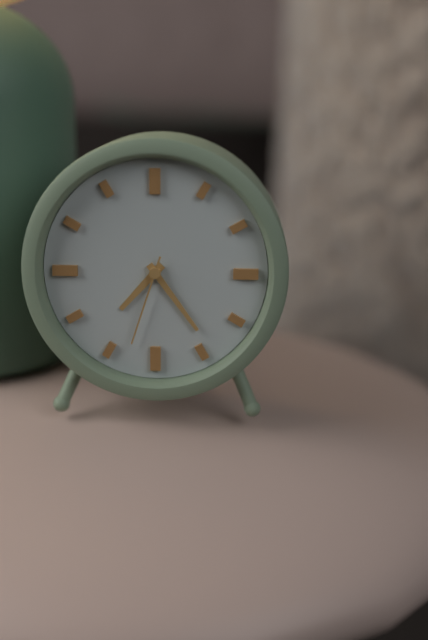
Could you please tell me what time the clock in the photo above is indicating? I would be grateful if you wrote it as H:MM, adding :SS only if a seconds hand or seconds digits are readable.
7:24:33
